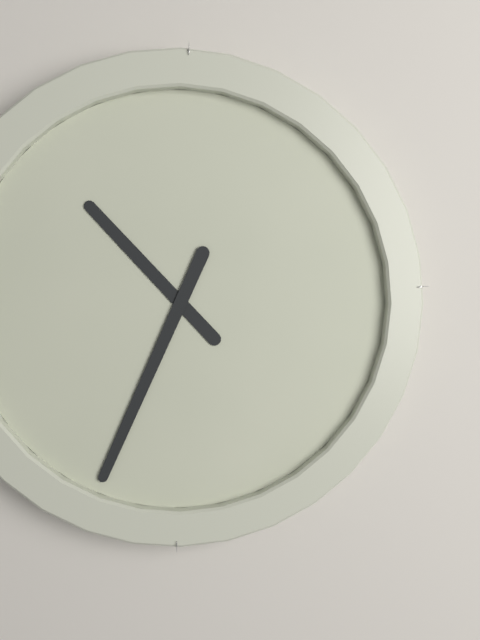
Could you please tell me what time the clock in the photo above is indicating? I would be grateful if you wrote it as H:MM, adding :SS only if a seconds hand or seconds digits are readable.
10:34
